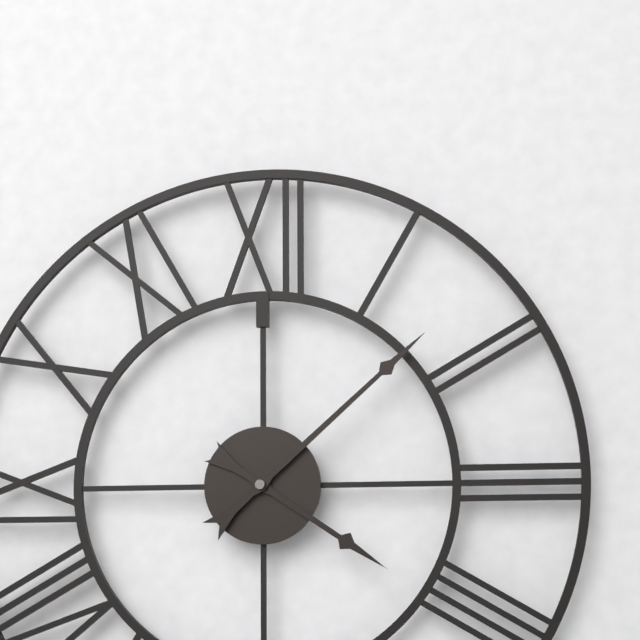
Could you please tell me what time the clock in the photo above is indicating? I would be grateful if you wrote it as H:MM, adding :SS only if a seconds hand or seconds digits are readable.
4:08
